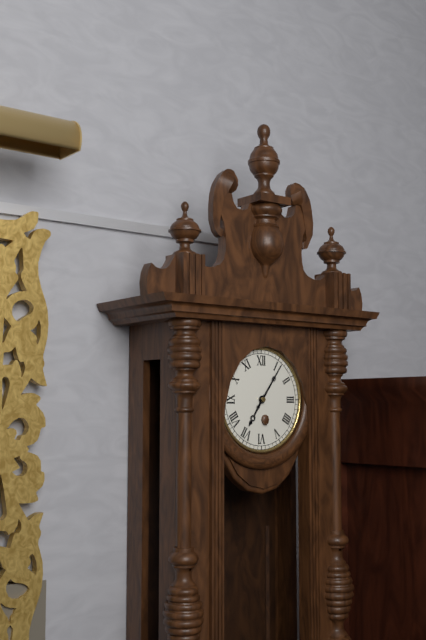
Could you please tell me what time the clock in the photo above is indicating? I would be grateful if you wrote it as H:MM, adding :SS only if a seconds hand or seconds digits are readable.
7:06
